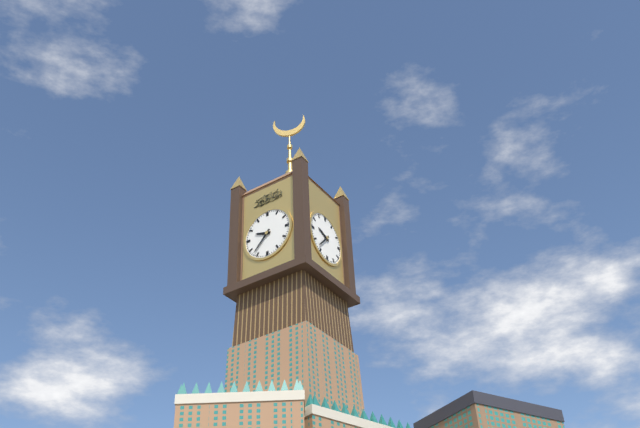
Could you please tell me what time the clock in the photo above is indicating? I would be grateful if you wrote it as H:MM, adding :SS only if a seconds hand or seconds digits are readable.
9:37
